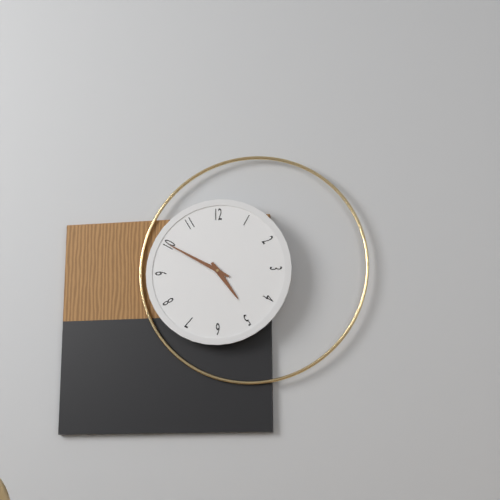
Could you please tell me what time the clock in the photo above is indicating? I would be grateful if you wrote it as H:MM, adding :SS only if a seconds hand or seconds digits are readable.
4:50
